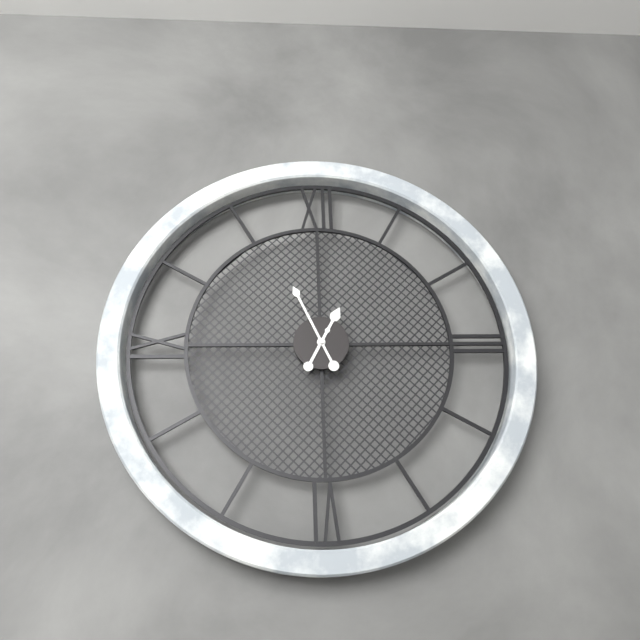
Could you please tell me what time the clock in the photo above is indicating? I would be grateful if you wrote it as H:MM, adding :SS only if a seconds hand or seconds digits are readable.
12:56
